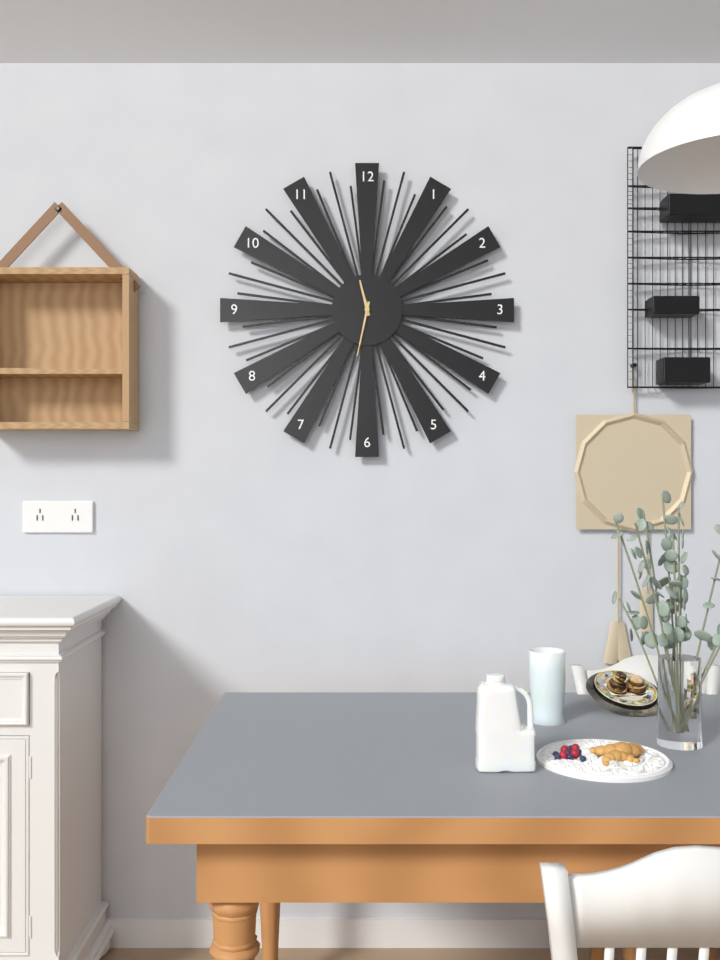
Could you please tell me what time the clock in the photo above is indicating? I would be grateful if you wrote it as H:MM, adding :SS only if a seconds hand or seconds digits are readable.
11:32
